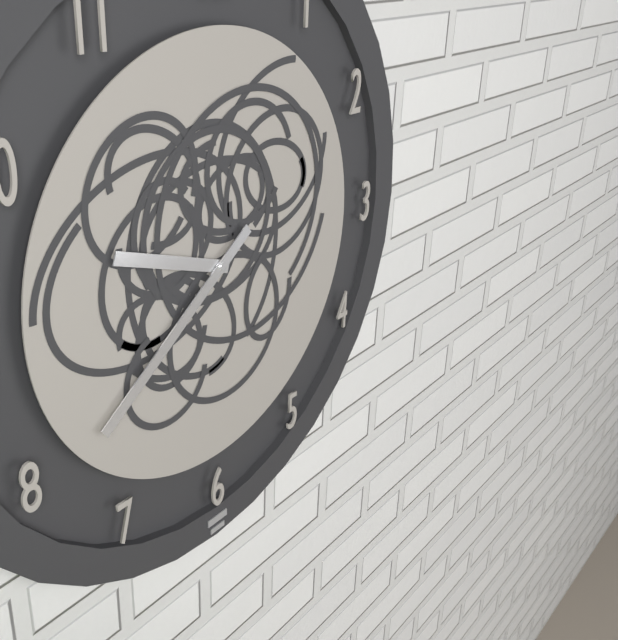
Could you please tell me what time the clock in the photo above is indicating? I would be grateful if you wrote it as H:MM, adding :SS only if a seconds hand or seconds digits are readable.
9:39
